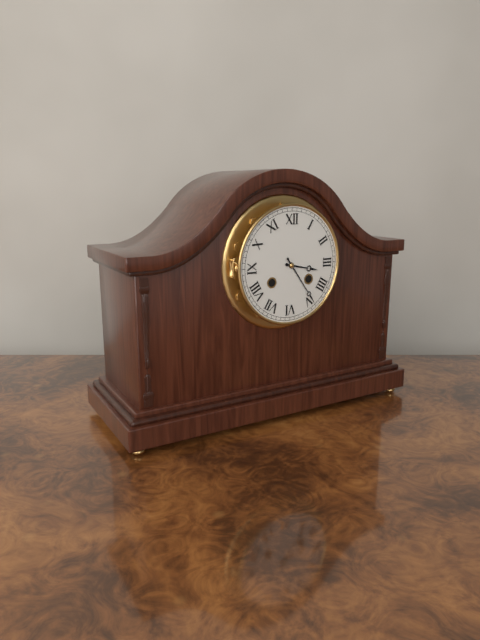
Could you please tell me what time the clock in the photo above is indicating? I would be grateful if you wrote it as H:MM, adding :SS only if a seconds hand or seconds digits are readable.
3:24
